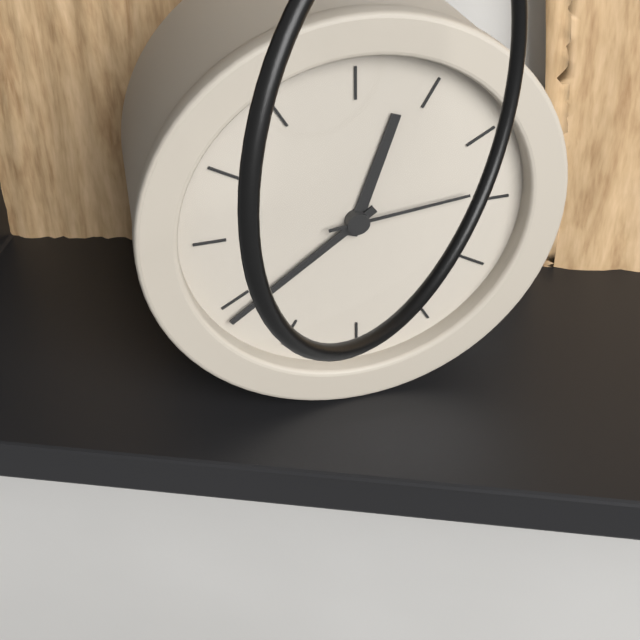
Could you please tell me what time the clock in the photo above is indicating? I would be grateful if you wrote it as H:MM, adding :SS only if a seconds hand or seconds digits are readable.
12:39:14
